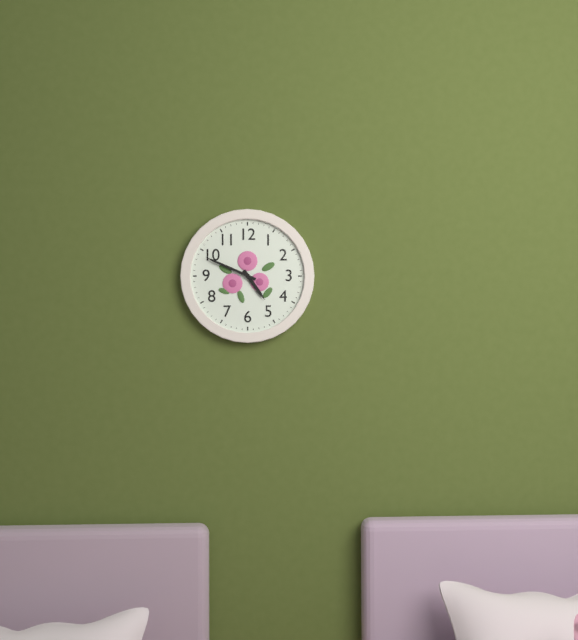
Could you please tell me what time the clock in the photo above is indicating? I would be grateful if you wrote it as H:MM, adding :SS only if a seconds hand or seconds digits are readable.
4:49
